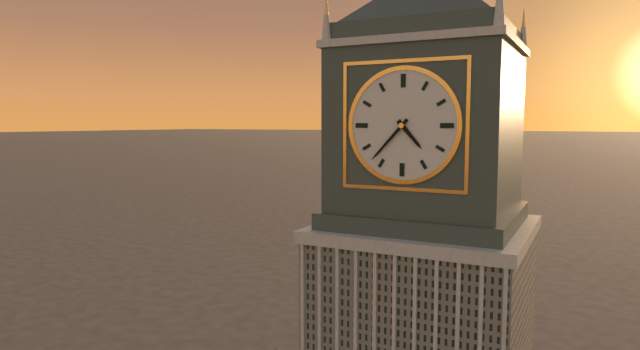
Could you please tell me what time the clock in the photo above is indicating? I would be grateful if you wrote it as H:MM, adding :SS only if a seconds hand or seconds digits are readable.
4:37
